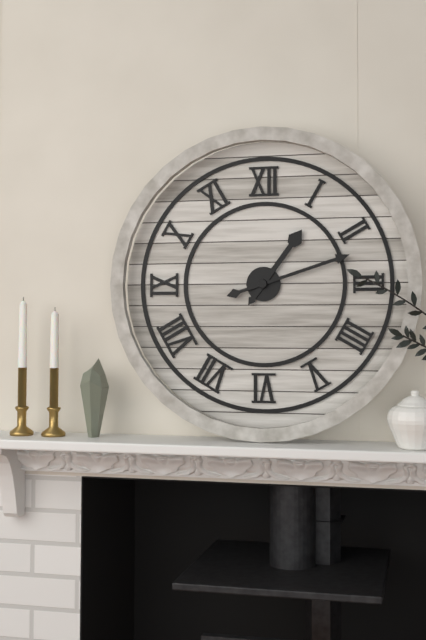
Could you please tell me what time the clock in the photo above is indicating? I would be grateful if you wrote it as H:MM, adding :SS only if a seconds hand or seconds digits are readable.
1:12
